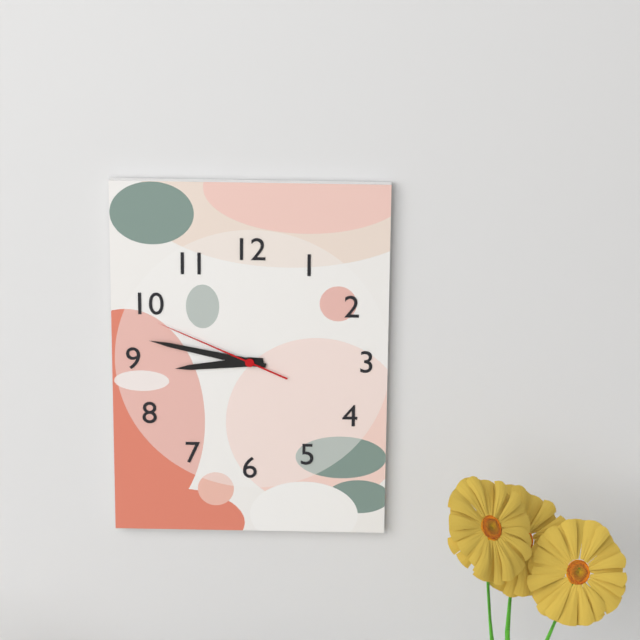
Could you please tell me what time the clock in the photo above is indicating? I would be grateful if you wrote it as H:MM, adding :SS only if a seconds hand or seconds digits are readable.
8:47:49
